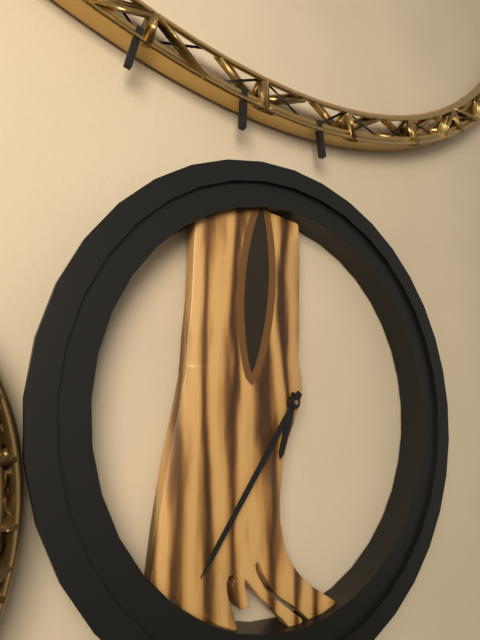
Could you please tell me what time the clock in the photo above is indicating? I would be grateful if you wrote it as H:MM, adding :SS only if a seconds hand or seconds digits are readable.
6:36
